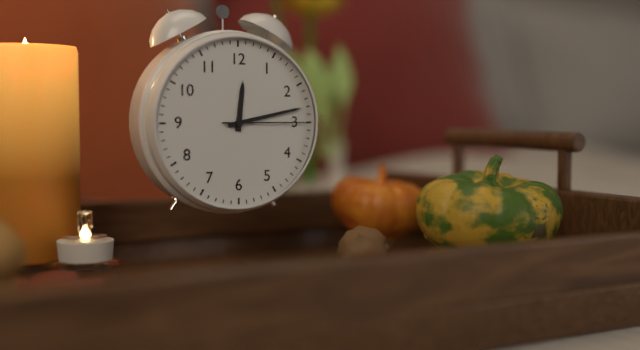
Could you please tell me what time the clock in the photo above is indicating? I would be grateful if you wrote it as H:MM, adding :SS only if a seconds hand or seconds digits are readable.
12:13:15
